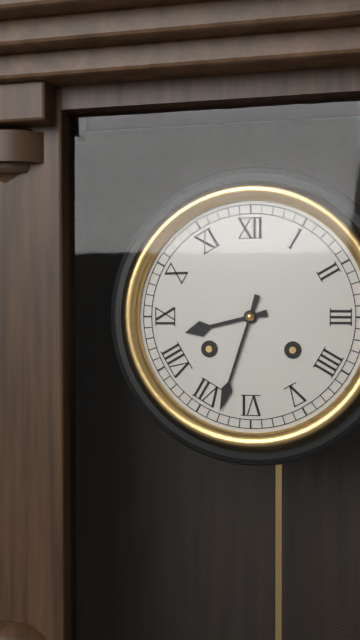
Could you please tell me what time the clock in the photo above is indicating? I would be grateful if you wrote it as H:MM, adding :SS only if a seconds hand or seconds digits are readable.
8:33
